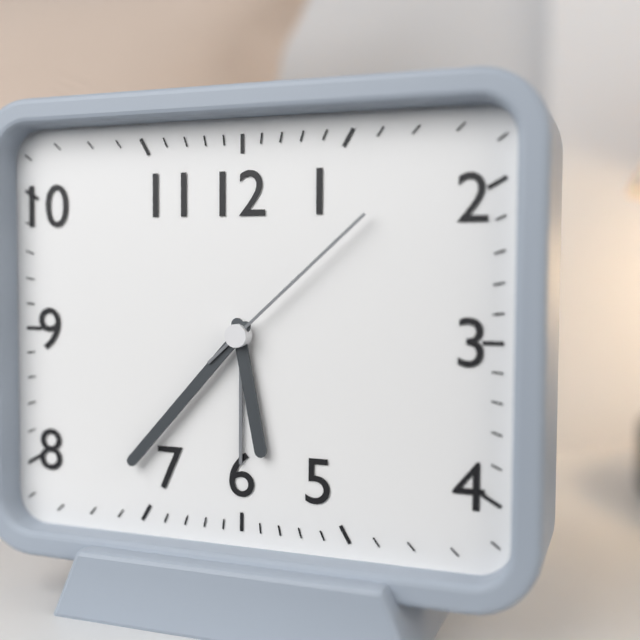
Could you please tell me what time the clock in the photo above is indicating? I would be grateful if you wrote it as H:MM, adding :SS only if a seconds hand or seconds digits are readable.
5:37:08
